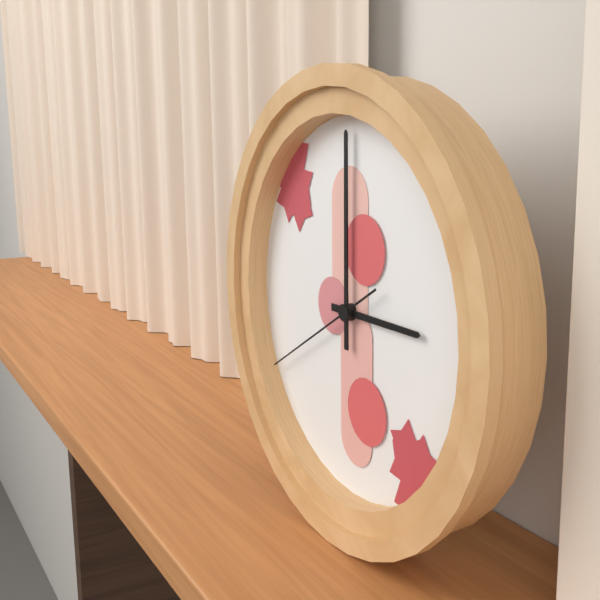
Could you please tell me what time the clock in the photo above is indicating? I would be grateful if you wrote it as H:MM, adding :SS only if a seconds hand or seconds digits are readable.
3:00:40
